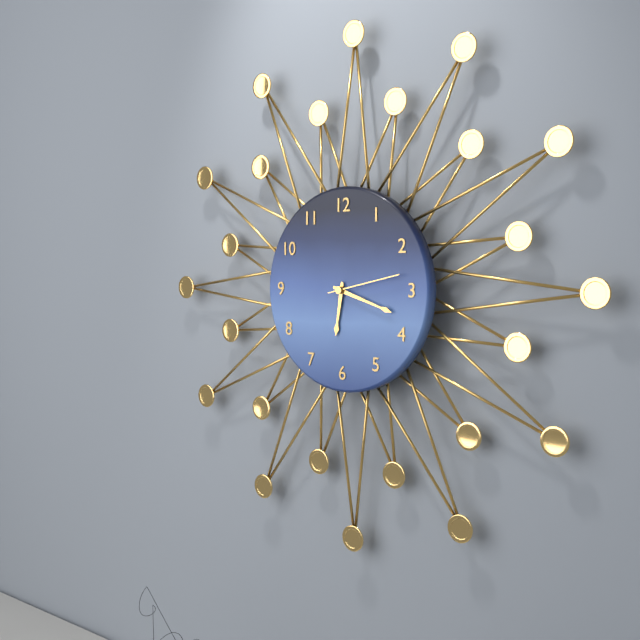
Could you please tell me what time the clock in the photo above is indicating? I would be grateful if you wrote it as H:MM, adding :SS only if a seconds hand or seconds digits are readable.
6:18:13
